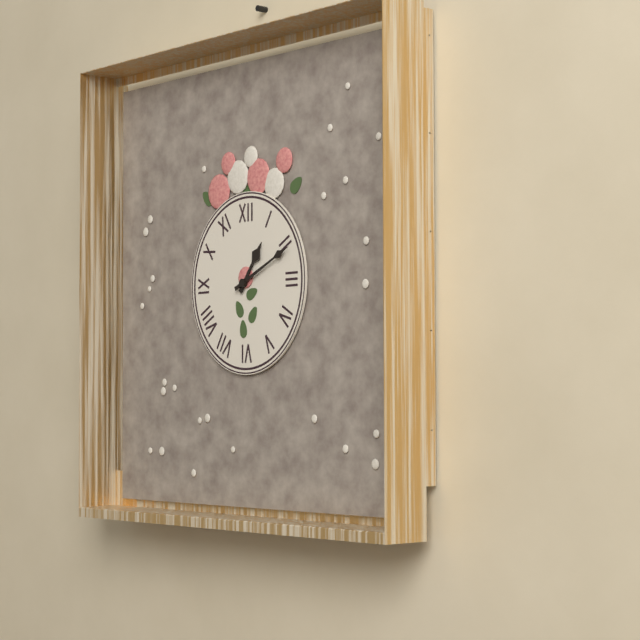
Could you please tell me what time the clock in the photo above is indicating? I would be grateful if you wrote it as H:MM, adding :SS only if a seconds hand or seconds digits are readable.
1:11
